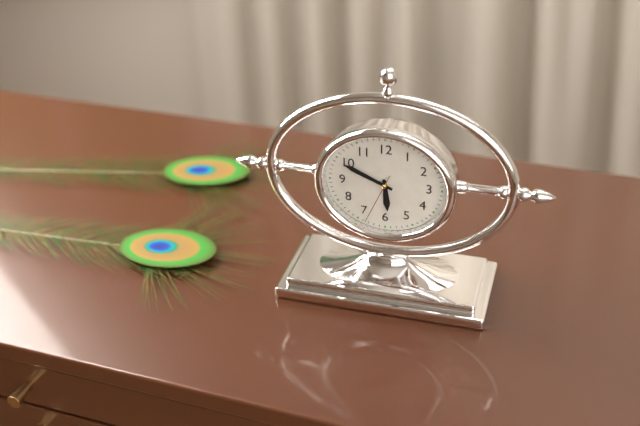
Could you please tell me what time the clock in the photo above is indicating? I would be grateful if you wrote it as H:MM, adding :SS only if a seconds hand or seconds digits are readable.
5:49:34
